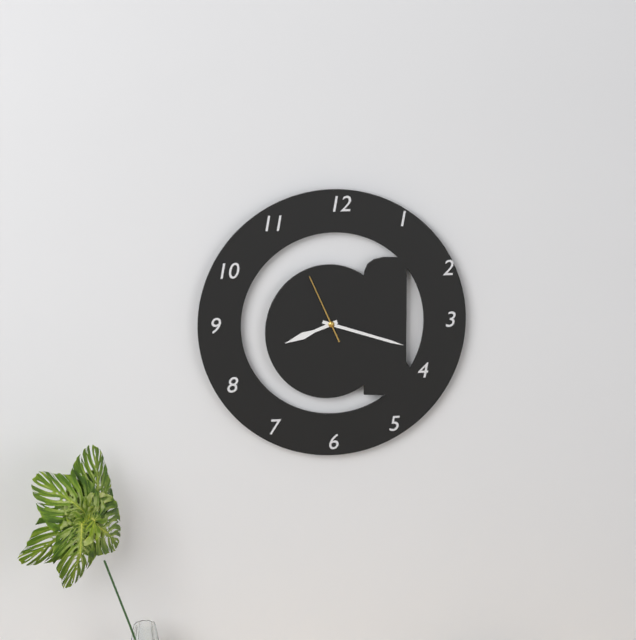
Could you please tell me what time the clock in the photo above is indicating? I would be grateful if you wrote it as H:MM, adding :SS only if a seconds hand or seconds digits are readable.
8:18:56
